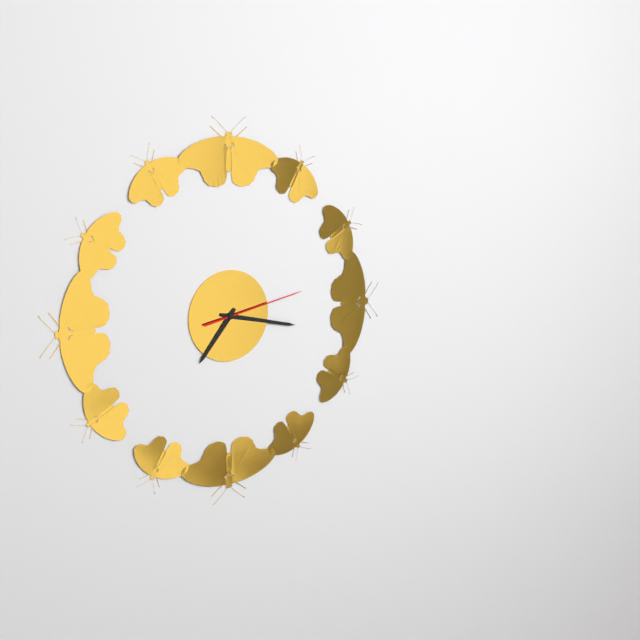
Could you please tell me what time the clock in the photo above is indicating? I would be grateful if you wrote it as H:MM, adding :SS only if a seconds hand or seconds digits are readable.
7:17:13
